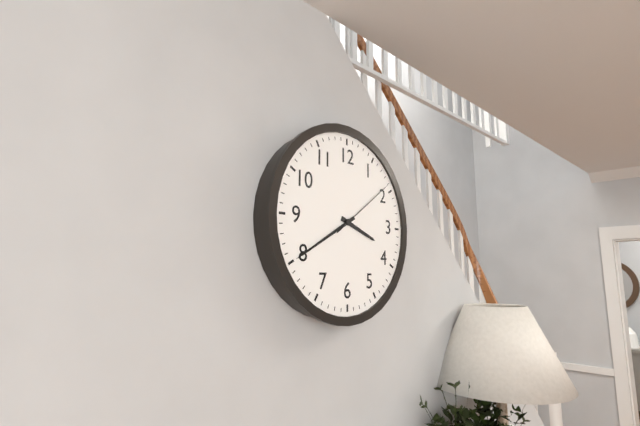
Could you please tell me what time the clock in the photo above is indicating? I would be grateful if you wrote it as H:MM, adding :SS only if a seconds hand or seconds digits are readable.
3:40:09
